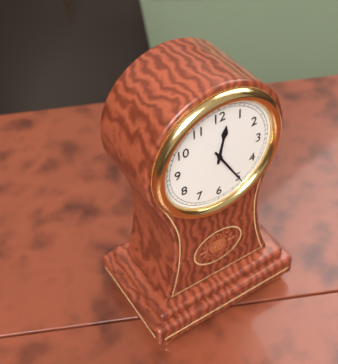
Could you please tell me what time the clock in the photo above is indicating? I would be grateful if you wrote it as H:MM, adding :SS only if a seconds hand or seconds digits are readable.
12:25
